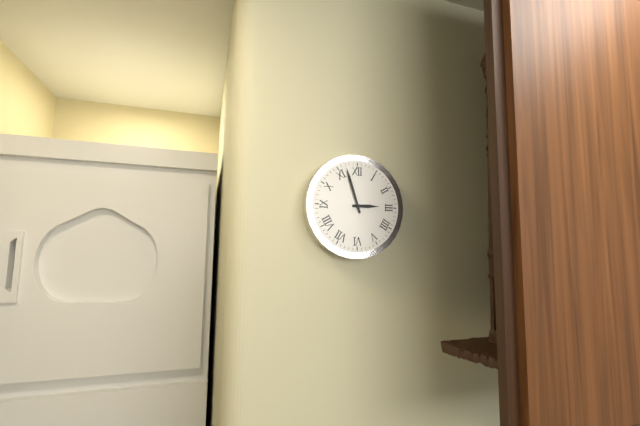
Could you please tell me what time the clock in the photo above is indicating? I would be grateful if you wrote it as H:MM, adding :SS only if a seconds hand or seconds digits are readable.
2:57
